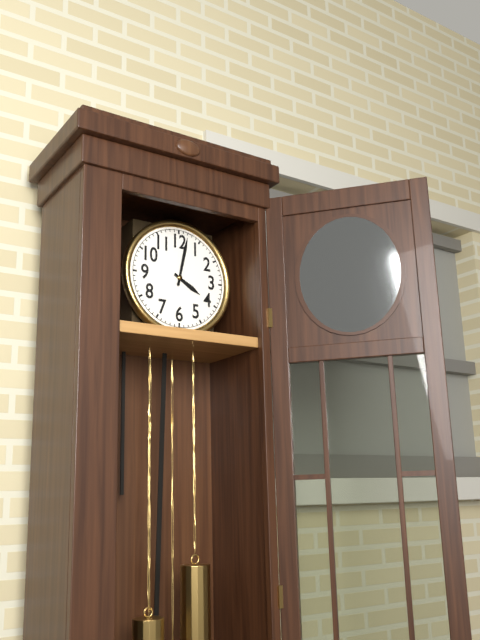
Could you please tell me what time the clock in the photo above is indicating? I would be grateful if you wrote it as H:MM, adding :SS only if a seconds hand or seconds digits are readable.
4:02
